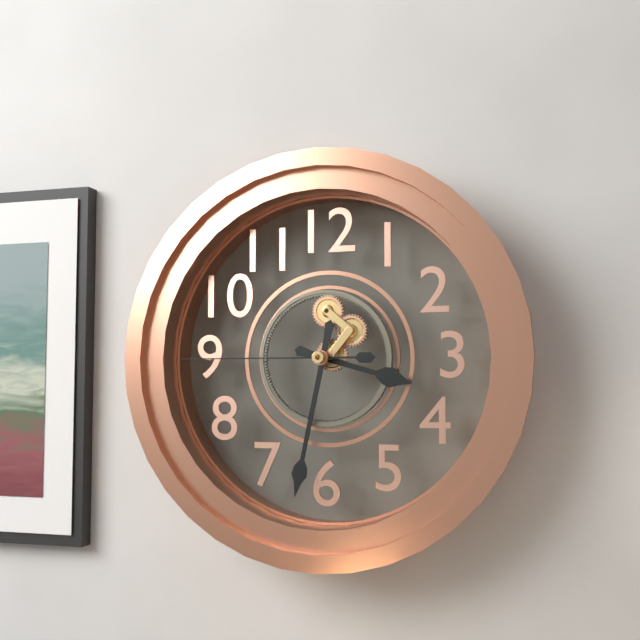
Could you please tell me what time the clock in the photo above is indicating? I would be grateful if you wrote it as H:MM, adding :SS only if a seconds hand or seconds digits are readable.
3:32:45
